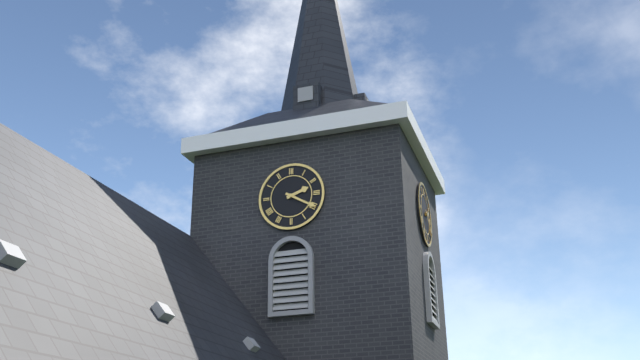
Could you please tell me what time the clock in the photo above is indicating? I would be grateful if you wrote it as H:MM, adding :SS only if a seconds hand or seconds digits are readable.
2:20
